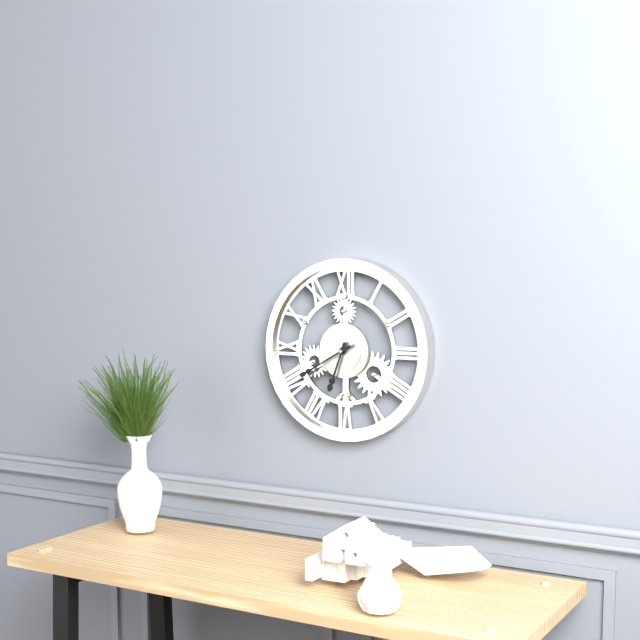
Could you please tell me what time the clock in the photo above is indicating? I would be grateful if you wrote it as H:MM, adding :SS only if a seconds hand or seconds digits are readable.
6:40
